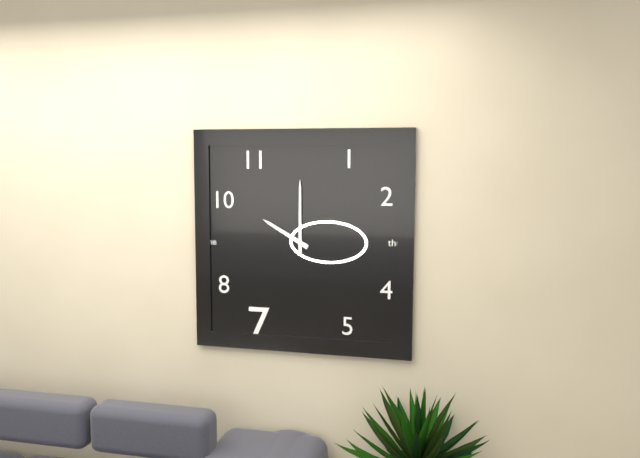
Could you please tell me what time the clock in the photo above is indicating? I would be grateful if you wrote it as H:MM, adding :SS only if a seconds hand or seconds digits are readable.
10:00
